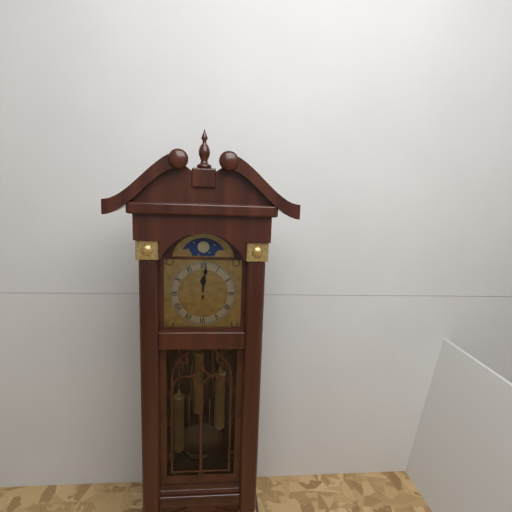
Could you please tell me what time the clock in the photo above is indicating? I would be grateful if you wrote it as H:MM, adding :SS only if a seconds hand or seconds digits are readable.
12:01
